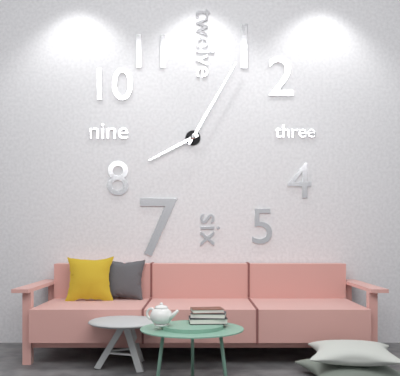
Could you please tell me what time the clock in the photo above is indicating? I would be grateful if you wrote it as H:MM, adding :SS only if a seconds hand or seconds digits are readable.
8:05
